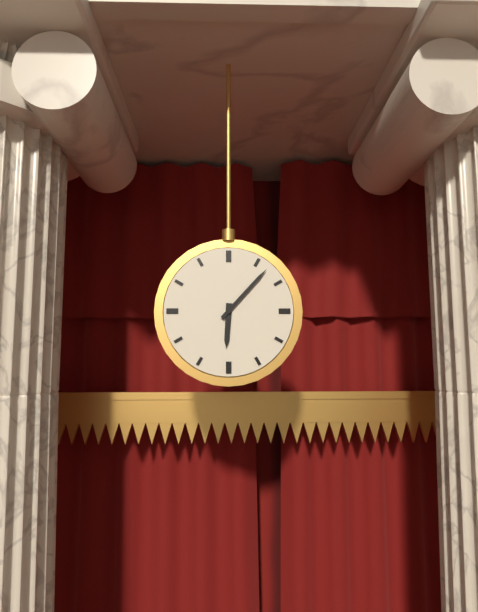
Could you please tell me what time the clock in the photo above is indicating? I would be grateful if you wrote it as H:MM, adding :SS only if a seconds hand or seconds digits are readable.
6:07
